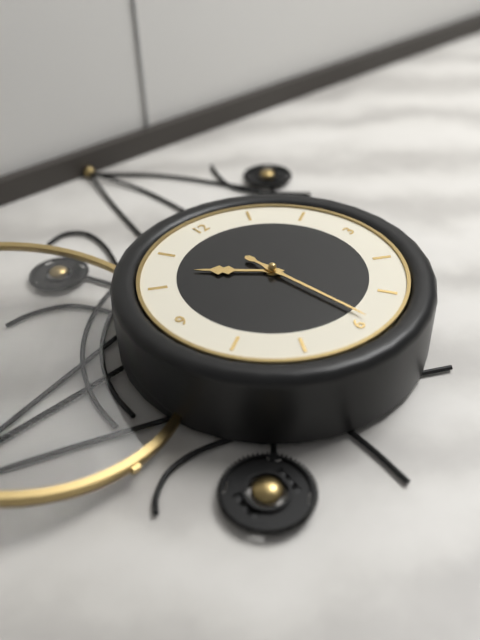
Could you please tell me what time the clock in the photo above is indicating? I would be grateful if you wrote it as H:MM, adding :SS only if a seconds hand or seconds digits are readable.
10:29
